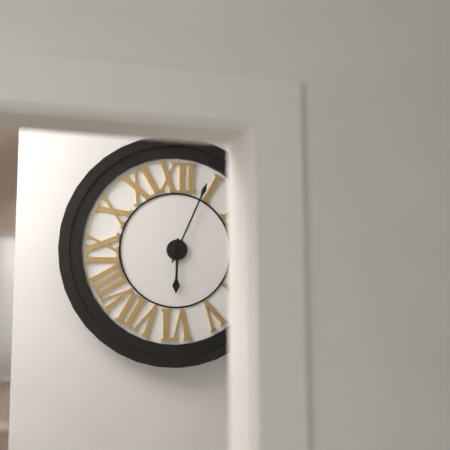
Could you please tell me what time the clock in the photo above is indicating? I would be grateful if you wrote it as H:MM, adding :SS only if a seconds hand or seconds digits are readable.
6:04
